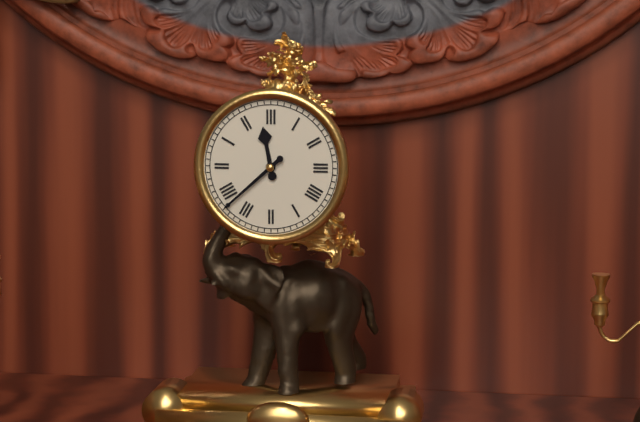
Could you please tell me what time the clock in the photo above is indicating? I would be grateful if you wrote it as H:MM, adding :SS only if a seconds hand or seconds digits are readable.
11:38
